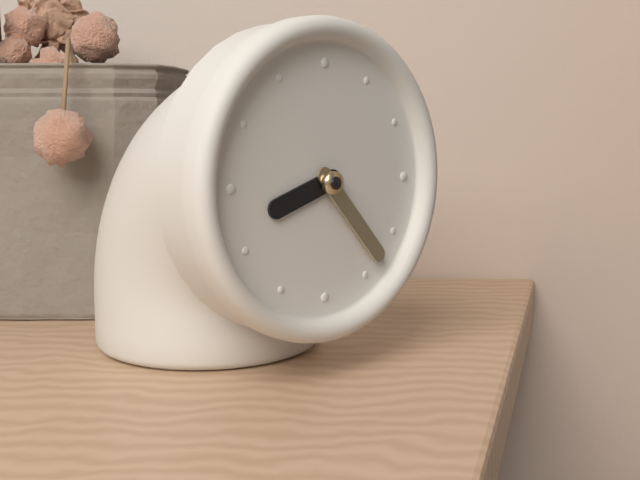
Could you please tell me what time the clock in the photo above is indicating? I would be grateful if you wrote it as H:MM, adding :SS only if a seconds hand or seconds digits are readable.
8:23
